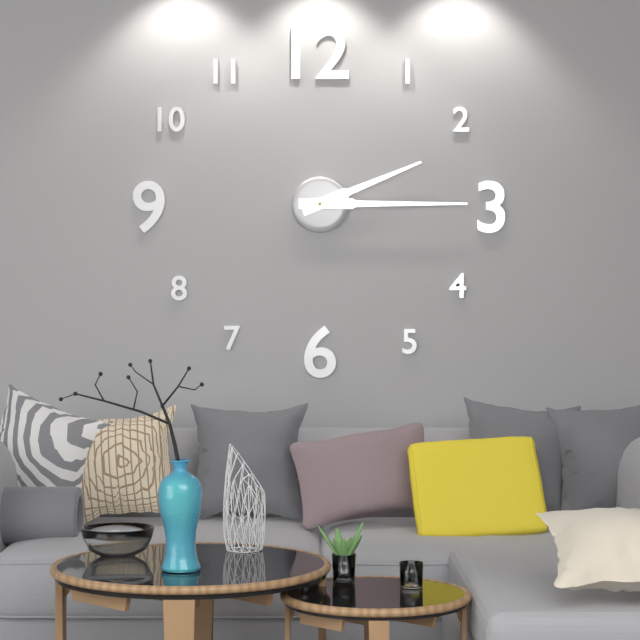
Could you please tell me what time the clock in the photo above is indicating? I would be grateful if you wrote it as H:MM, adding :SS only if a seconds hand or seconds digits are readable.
2:15
